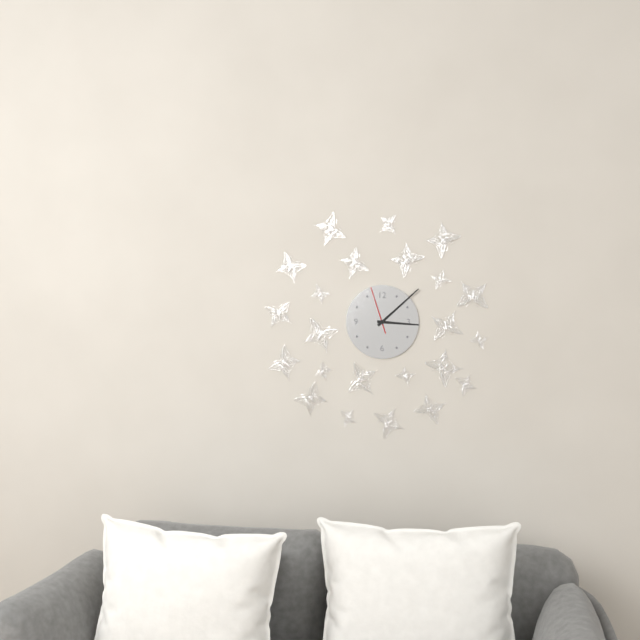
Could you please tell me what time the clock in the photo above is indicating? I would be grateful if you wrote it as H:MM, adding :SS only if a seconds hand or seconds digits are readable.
3:08
